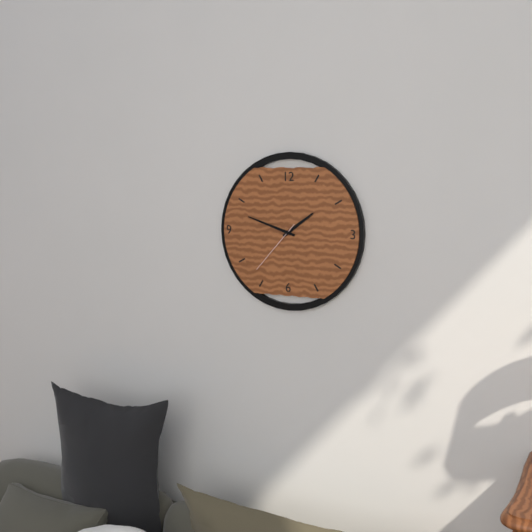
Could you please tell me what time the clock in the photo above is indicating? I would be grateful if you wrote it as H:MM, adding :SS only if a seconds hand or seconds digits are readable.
1:48:37
